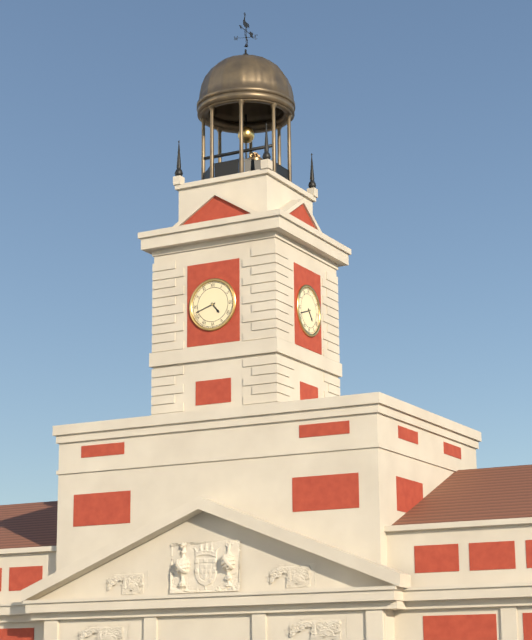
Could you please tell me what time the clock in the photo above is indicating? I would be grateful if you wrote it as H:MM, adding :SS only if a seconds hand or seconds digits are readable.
4:42
